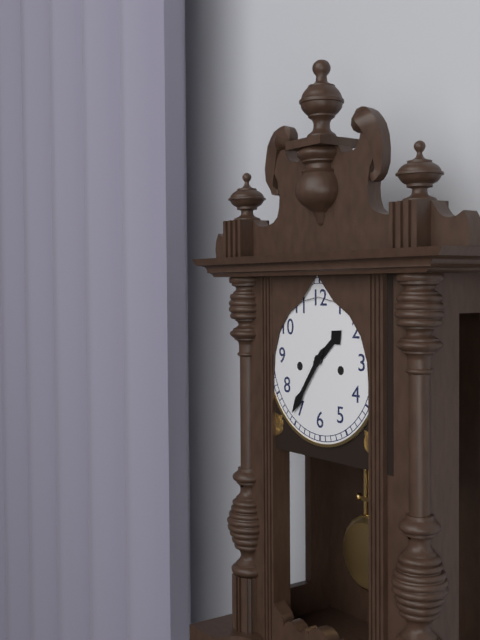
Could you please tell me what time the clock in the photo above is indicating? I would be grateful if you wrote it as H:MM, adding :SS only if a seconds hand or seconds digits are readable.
1:36
